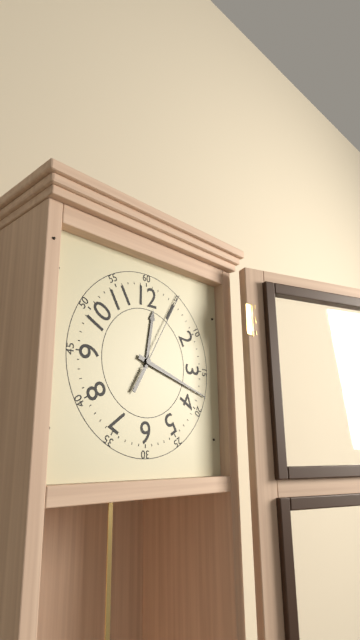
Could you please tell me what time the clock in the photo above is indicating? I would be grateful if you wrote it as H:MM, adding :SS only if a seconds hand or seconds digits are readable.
12:18:05
